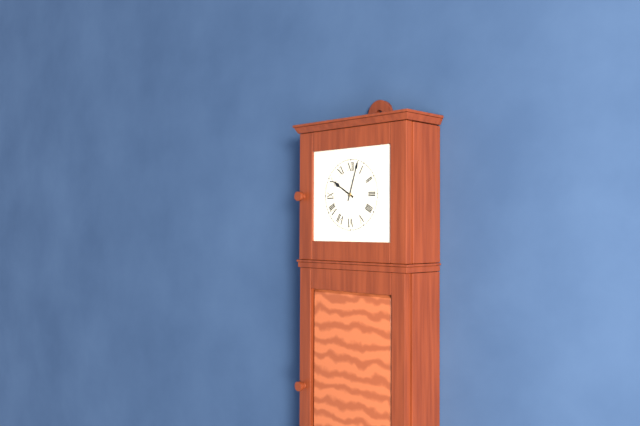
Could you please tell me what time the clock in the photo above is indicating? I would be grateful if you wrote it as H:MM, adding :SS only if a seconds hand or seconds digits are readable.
10:03
